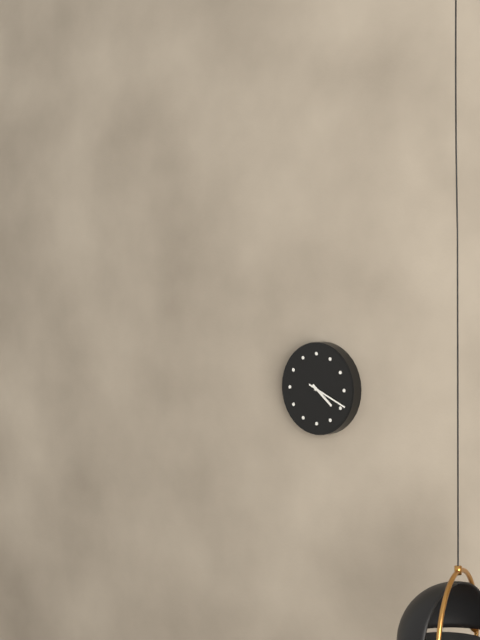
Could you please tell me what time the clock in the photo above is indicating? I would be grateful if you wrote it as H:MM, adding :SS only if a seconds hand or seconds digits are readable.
4:19
